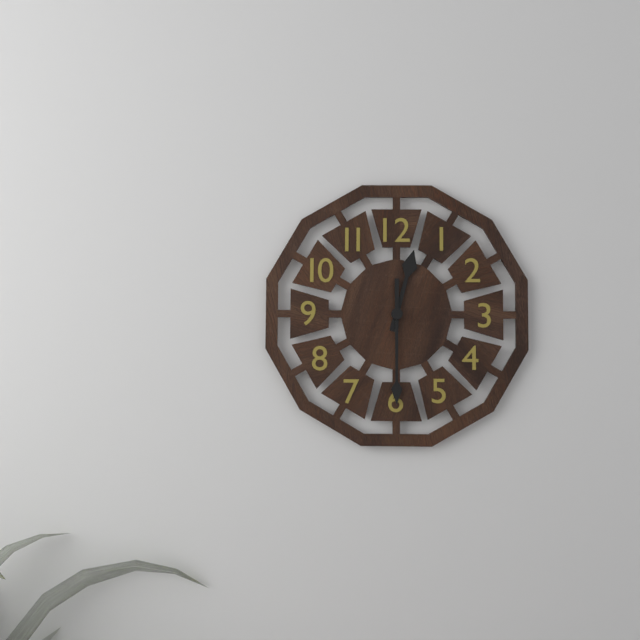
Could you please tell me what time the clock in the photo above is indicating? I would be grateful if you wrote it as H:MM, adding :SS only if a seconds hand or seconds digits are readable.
12:30
